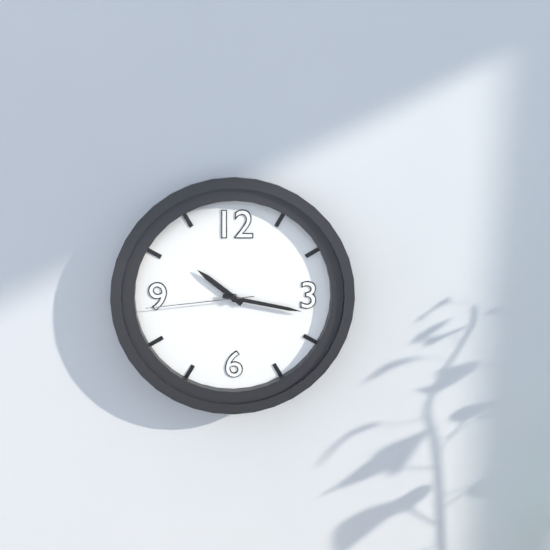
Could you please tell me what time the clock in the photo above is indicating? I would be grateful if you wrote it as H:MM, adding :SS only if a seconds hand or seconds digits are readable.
10:17:44
